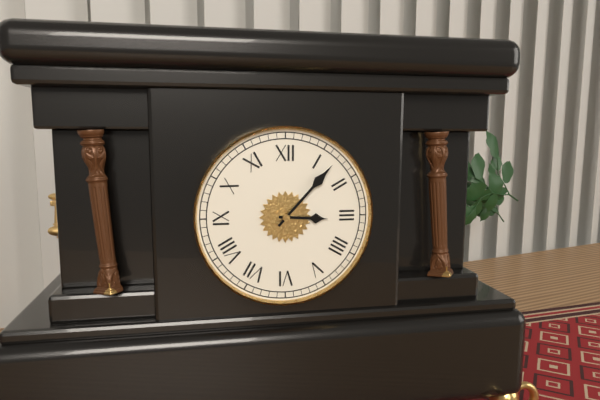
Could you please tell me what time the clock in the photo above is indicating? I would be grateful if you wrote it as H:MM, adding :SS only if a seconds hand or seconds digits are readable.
3:07
